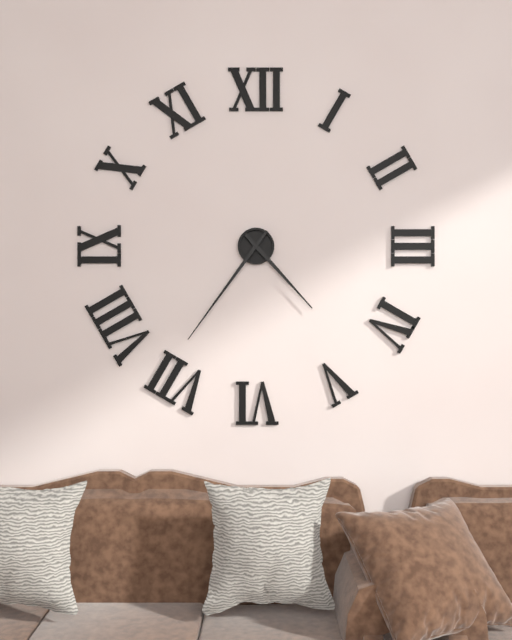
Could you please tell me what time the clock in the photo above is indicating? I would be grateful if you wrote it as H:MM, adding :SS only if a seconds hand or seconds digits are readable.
4:36
